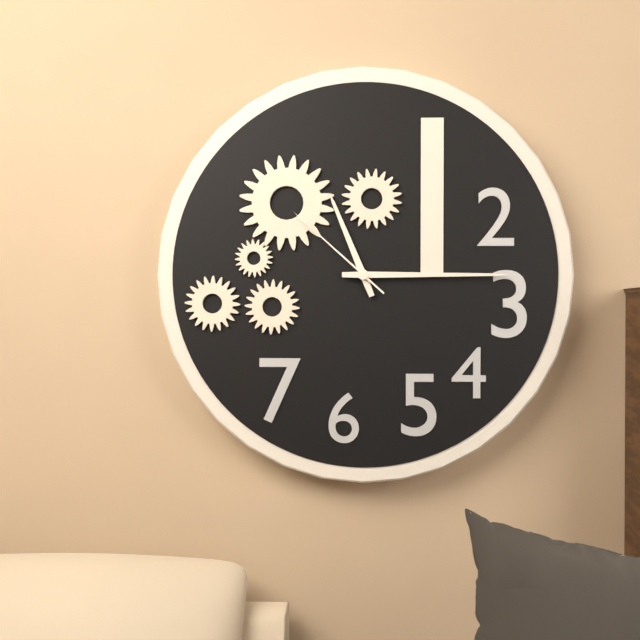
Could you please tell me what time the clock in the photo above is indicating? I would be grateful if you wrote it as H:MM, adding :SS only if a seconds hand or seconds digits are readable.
11:15:52
